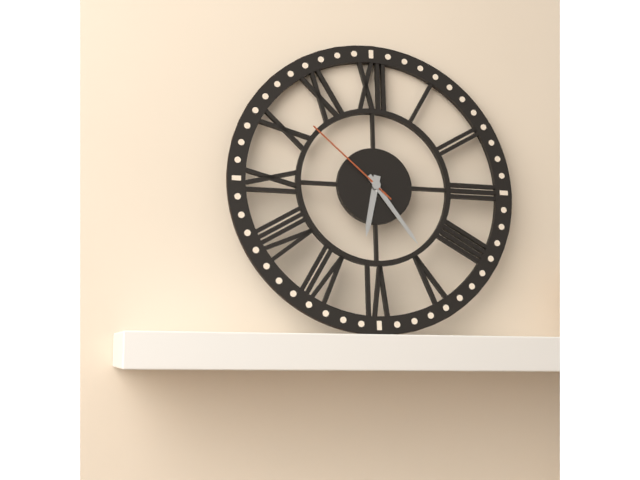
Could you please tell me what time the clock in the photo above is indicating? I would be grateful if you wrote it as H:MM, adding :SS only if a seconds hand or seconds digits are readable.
6:24:52
